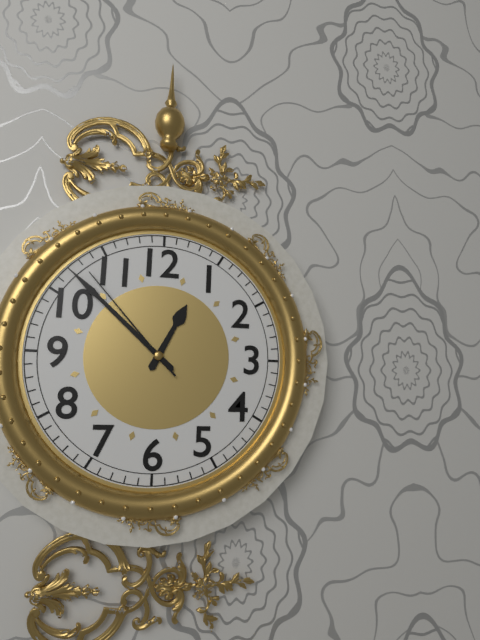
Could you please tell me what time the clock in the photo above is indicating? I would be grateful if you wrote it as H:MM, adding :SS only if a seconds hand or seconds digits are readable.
12:52:53
